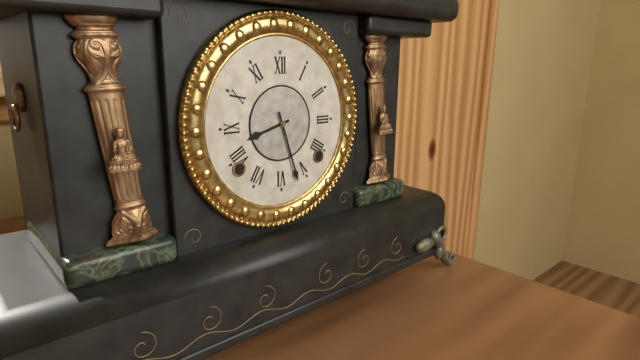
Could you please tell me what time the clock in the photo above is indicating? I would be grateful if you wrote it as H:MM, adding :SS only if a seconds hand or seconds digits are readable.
8:27
